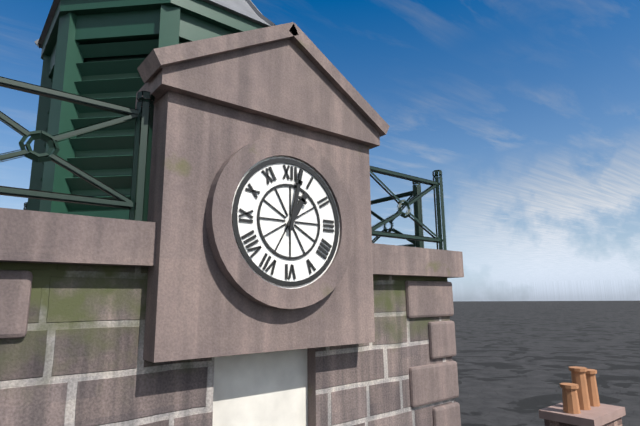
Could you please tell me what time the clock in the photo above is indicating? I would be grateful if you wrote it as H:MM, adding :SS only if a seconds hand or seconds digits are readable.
1:02
